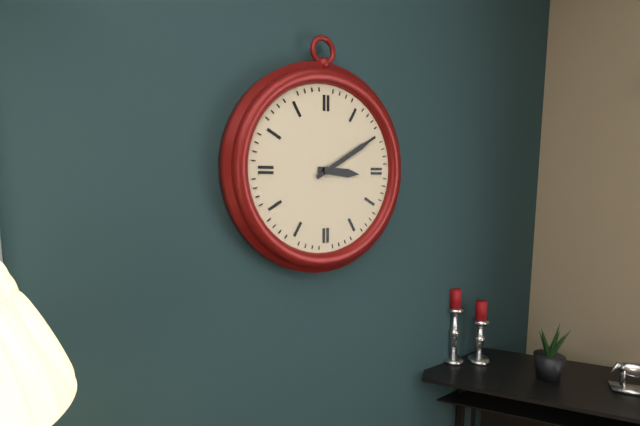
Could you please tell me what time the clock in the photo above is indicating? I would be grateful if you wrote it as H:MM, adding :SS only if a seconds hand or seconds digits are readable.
3:10
